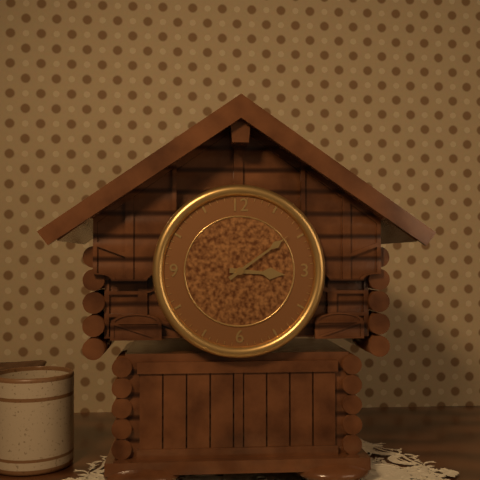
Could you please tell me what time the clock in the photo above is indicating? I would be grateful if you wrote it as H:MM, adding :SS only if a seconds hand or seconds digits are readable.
3:09
